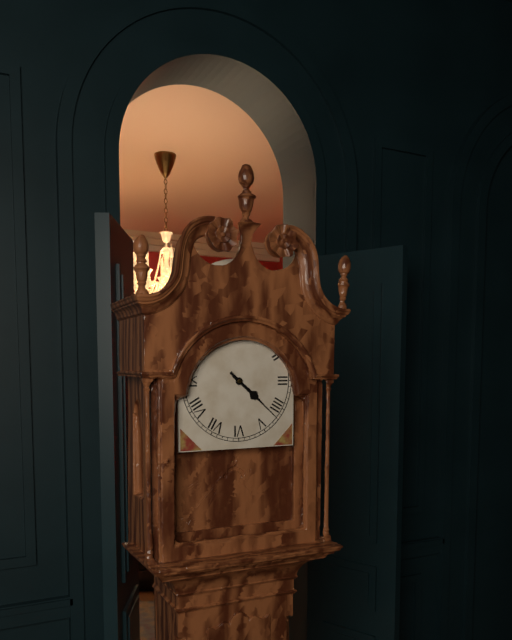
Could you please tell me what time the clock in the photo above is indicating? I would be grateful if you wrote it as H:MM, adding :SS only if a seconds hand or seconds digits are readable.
4:22
